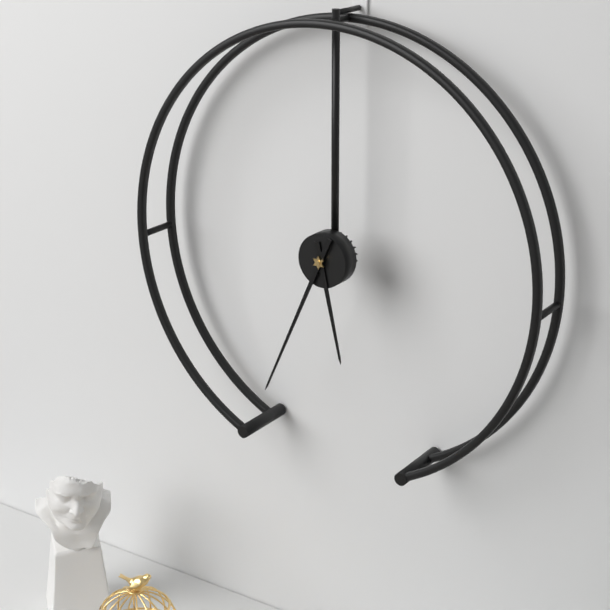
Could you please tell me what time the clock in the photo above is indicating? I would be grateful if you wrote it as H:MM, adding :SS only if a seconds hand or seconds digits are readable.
5:34
